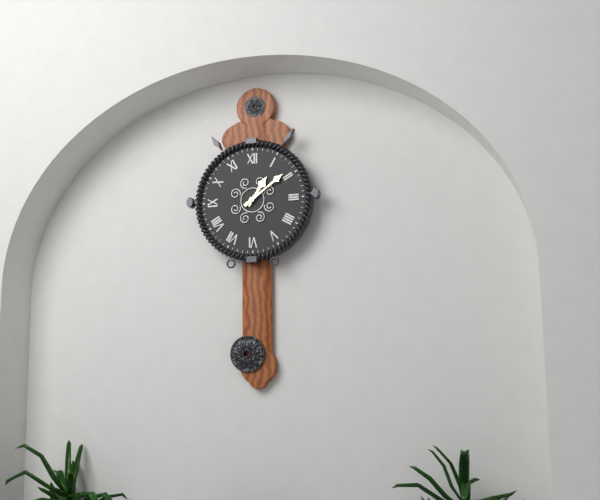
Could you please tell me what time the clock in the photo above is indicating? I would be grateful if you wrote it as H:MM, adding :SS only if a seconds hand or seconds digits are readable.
1:09
